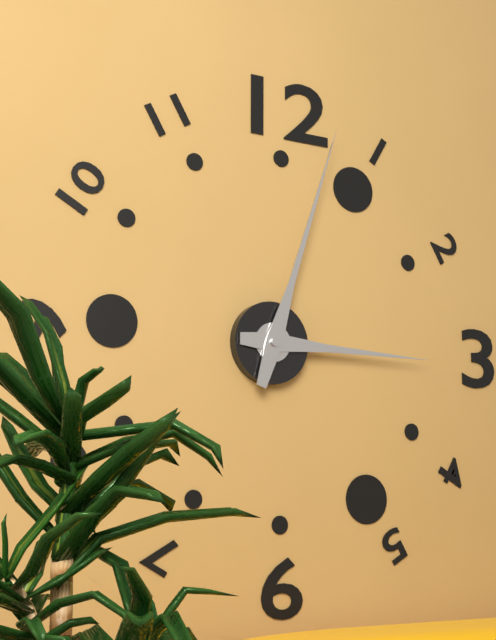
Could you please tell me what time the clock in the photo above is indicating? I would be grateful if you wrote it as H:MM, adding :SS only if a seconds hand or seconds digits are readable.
3:03
